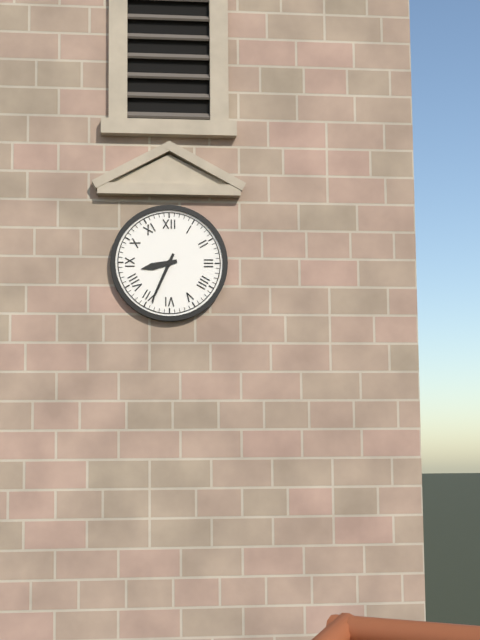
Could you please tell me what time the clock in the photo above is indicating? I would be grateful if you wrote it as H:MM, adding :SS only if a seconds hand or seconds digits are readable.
8:34
